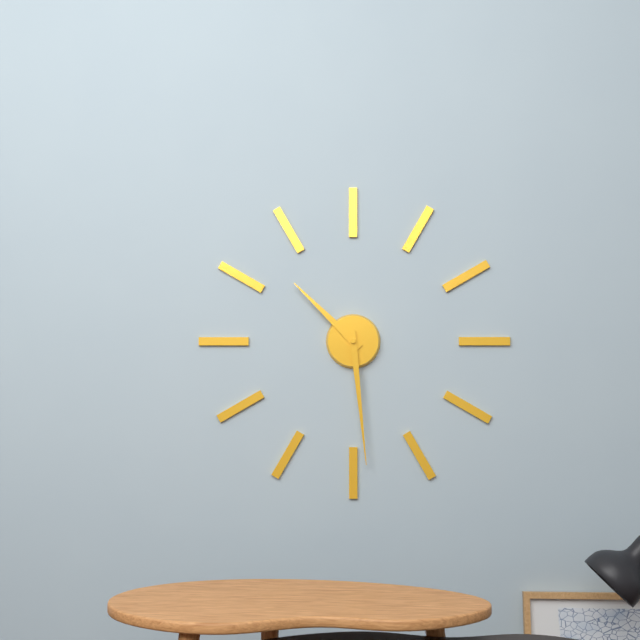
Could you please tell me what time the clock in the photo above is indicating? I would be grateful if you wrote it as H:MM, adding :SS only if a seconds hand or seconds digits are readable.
10:29
